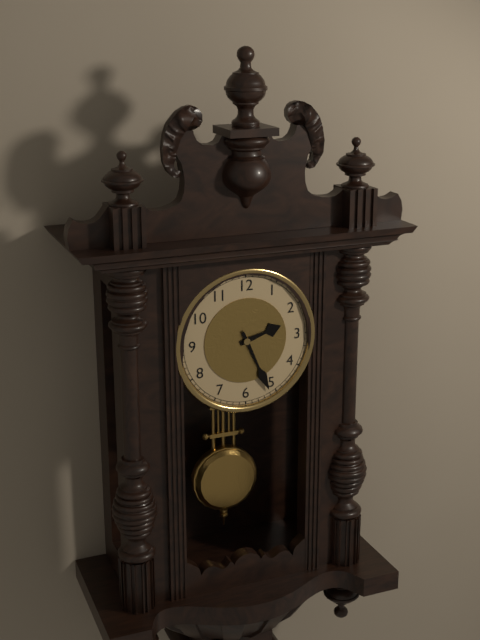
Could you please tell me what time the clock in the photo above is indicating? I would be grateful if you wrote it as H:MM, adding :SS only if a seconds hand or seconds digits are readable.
2:26
